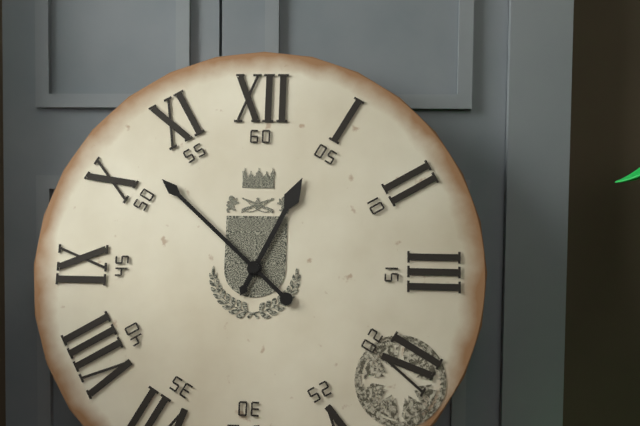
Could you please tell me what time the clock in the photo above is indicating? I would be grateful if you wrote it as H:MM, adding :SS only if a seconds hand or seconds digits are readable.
12:52
